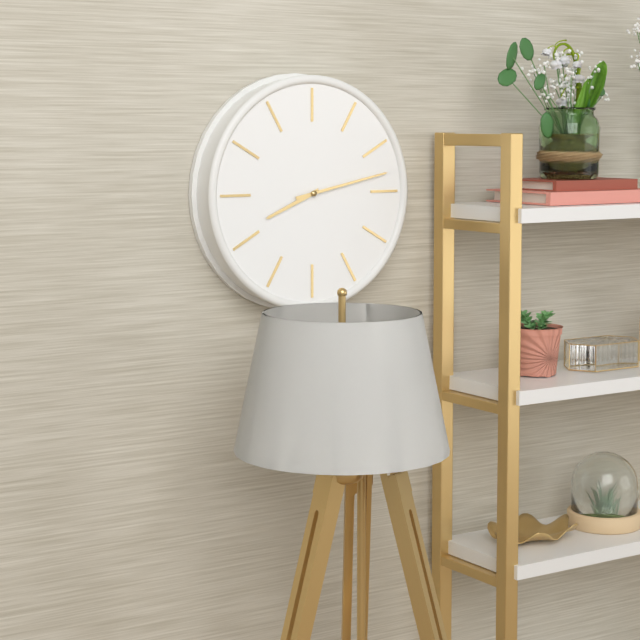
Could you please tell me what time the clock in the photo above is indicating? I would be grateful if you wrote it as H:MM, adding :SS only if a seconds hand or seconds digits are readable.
8:13
